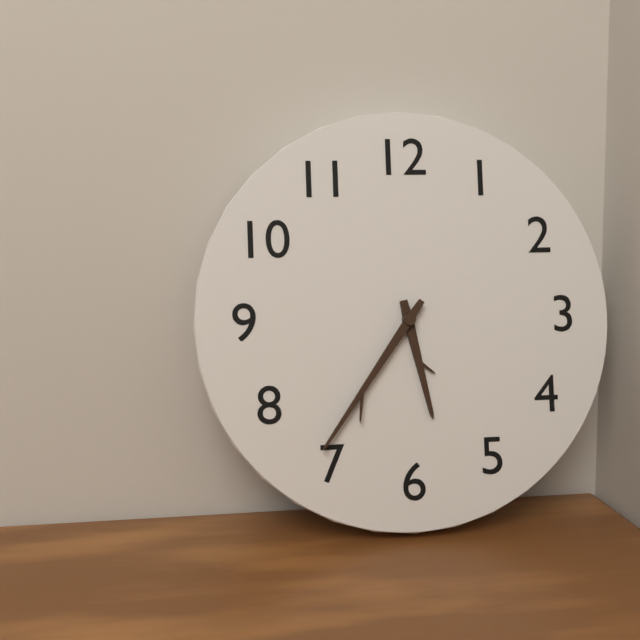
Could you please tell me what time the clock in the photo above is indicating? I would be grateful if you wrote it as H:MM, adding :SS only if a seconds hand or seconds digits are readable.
5:36
